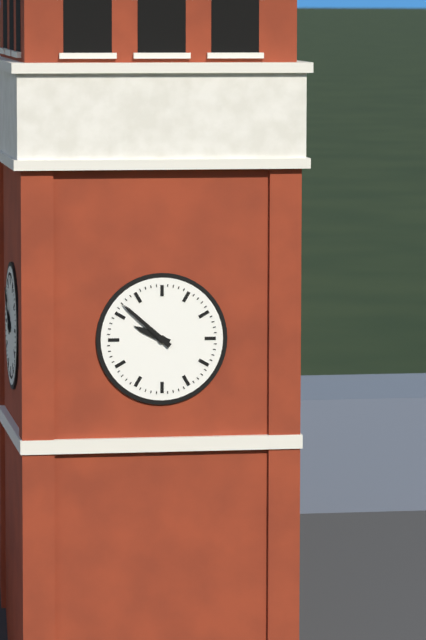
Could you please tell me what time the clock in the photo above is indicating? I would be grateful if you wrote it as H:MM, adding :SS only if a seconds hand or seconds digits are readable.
9:52
